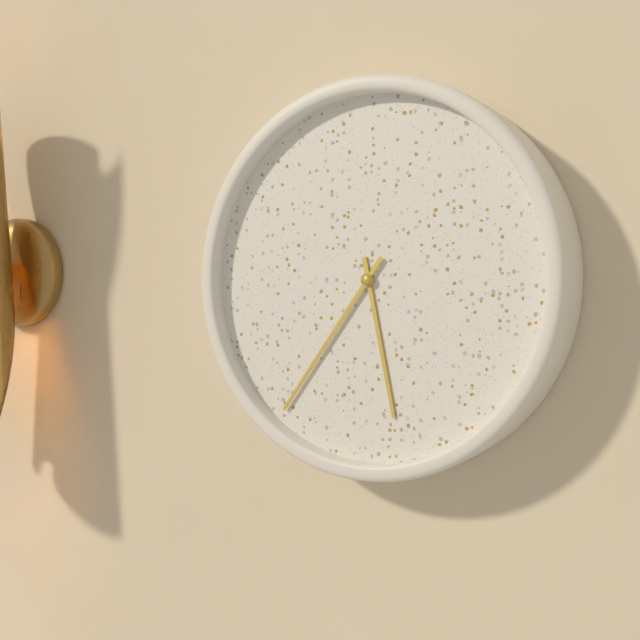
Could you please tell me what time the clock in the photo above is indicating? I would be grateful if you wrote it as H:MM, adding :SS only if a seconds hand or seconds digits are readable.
5:36
